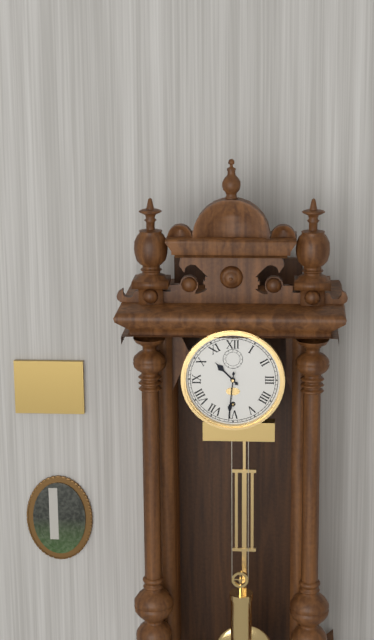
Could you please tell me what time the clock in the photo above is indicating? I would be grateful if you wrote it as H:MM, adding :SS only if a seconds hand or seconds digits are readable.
10:31
